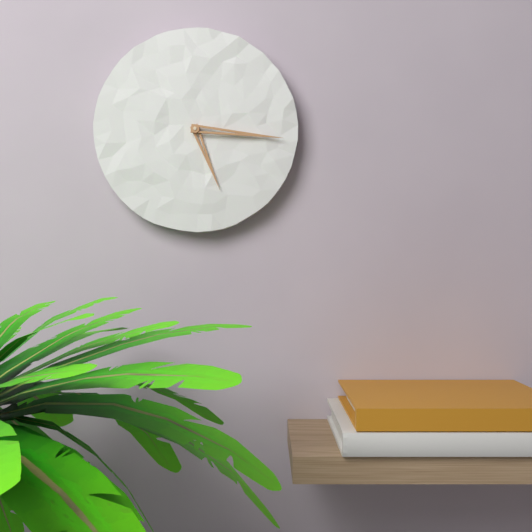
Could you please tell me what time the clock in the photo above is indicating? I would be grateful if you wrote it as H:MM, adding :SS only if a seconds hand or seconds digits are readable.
5:16
